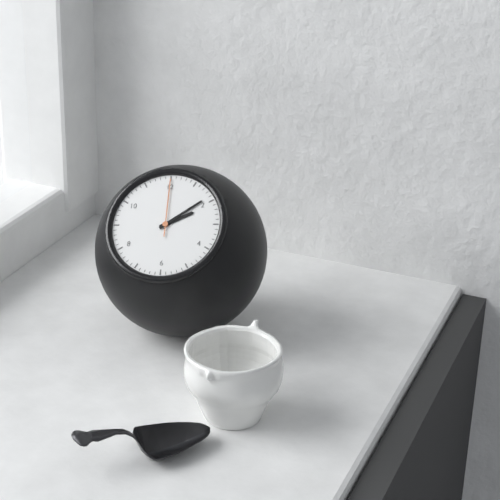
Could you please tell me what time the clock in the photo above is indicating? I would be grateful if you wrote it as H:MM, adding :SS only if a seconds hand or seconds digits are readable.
2:09:00
